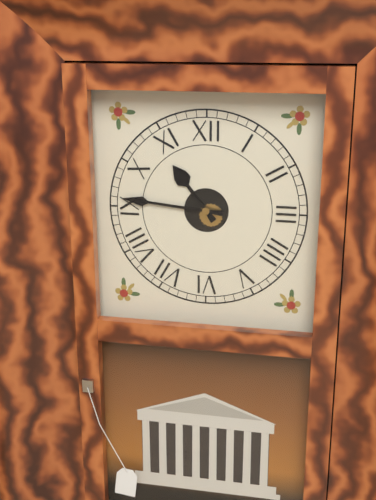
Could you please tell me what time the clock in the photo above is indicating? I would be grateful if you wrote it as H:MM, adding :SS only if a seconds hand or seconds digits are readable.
10:46
